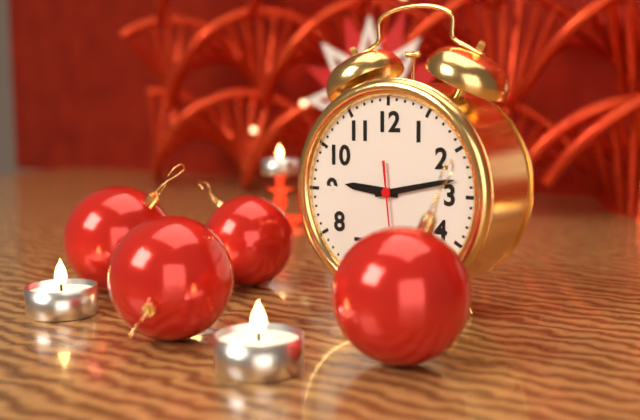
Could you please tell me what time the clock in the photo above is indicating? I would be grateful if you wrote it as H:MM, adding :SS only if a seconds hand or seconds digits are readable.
9:13
